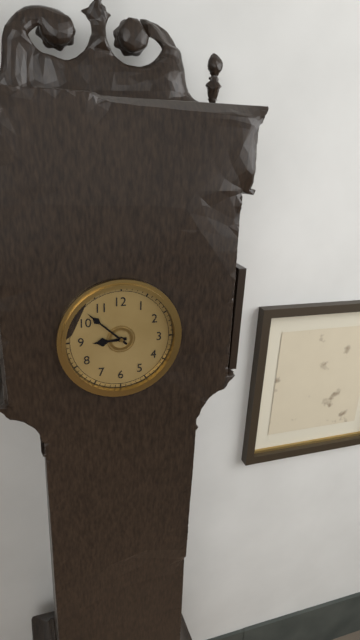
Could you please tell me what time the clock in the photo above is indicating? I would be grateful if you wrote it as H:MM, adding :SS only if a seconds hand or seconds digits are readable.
8:52
